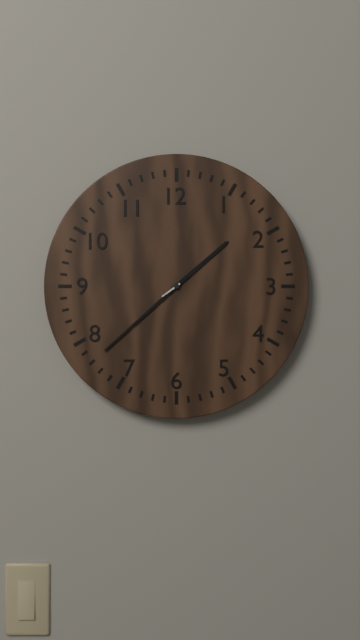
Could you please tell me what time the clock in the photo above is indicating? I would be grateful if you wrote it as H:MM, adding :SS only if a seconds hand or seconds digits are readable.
1:38
